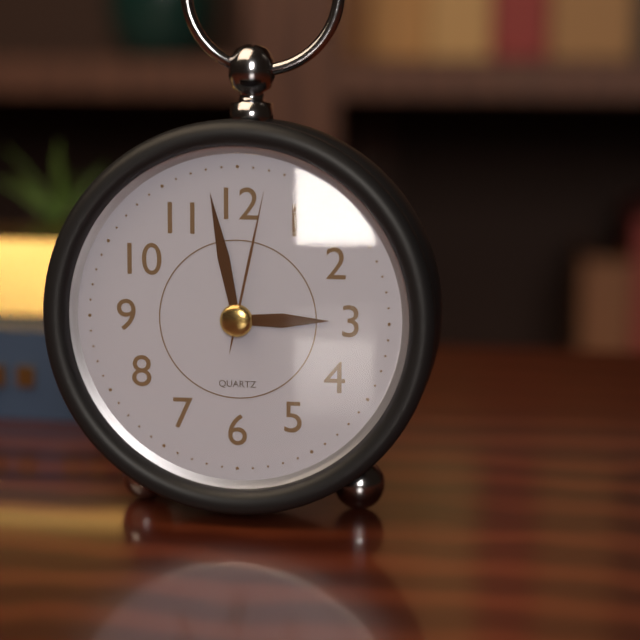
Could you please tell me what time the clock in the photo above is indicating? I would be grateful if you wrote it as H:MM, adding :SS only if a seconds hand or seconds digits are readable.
2:58:02
